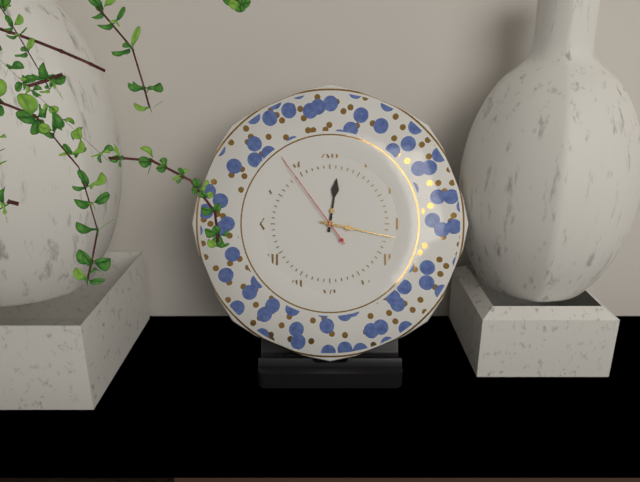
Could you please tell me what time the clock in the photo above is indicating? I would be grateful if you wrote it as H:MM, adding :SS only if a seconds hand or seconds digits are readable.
12:17:54
